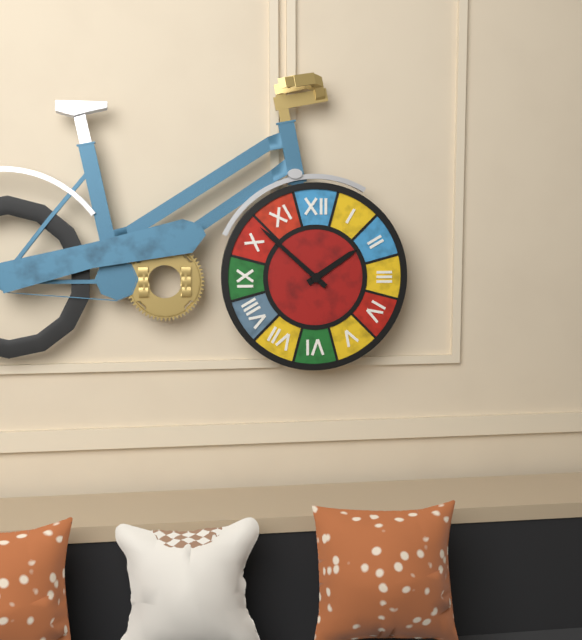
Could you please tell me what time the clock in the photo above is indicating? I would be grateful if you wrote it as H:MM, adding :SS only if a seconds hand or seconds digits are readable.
1:52
